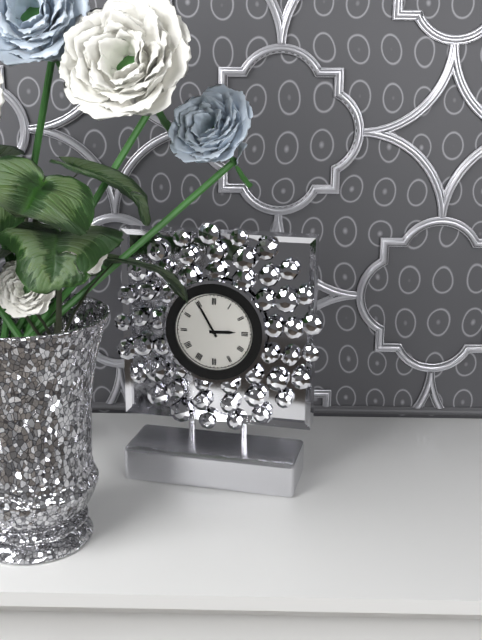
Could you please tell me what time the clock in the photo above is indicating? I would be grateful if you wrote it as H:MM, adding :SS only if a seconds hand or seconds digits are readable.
2:55
